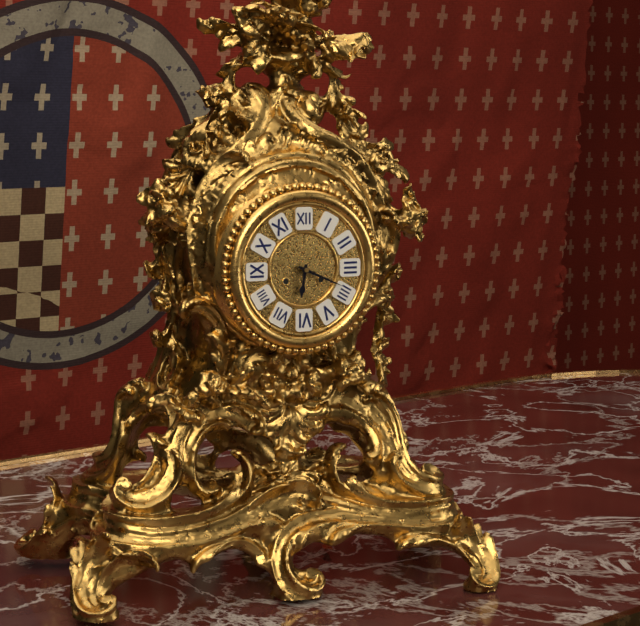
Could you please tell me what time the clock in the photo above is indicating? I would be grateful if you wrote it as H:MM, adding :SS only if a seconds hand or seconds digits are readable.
6:19
